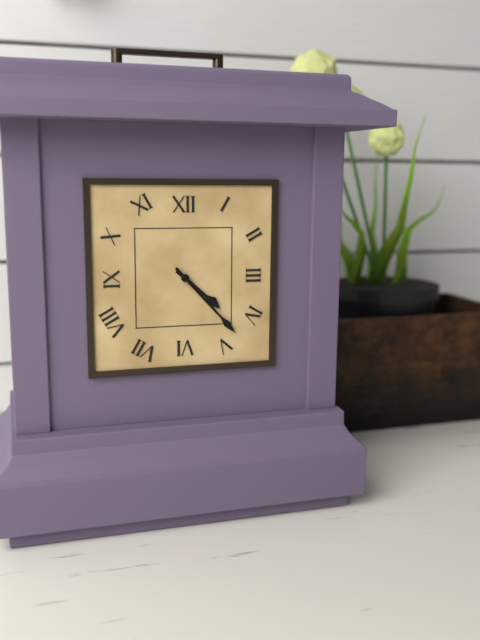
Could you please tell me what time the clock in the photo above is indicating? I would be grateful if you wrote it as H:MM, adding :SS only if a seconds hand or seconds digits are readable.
4:23
